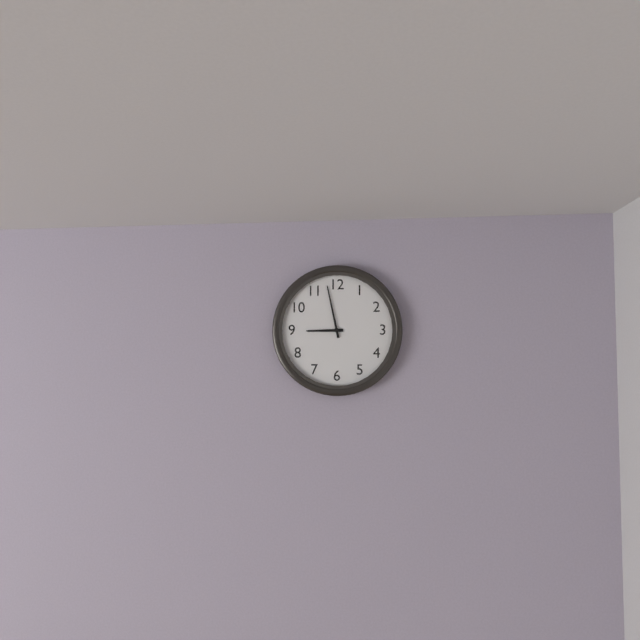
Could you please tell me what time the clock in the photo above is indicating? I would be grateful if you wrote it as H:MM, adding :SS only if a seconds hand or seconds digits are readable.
8:58
